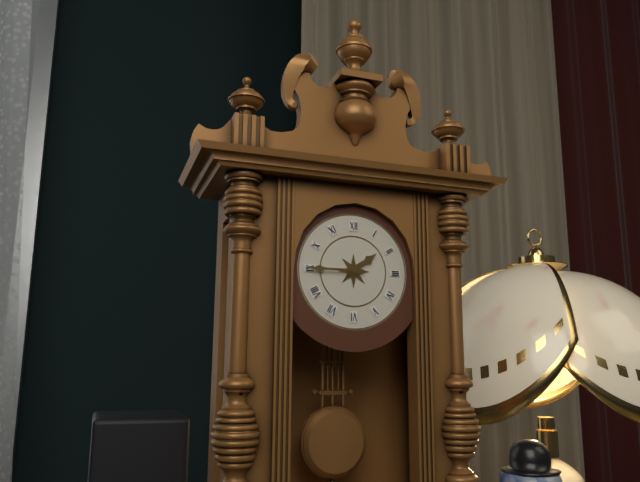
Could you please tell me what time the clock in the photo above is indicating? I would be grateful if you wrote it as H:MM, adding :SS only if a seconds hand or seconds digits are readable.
1:45
